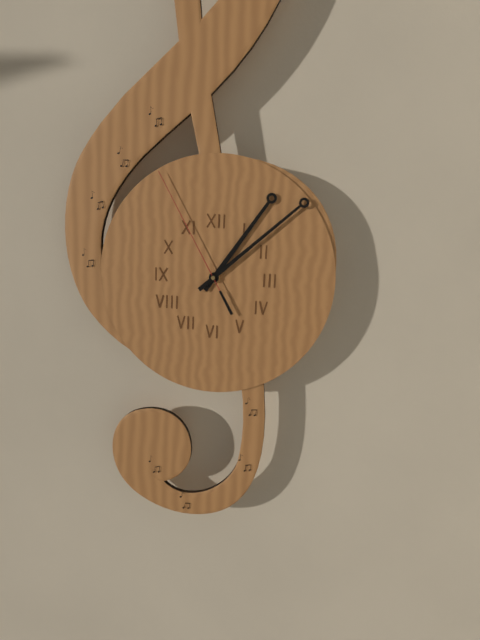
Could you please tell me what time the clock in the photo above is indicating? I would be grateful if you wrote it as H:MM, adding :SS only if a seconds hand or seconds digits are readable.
1:08:55
